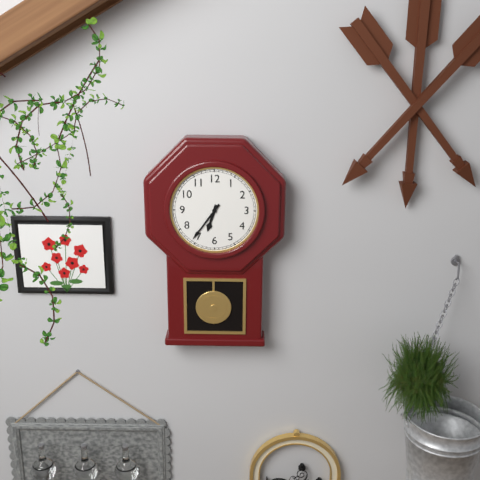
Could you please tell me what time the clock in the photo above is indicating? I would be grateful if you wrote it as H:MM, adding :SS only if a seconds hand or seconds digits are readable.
6:36
